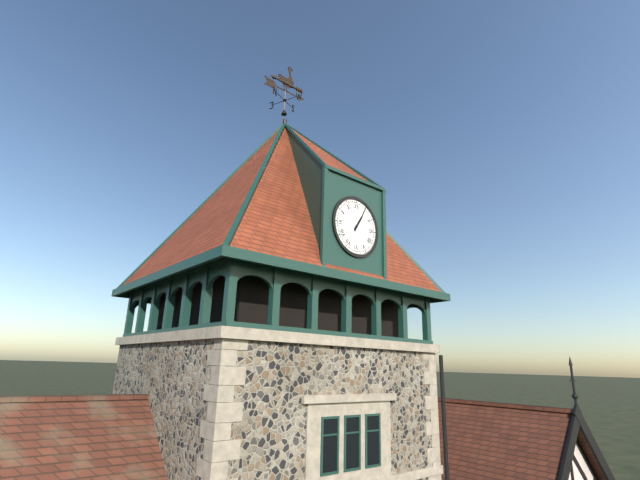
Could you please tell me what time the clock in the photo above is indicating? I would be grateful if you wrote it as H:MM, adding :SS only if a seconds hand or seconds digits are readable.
1:05
